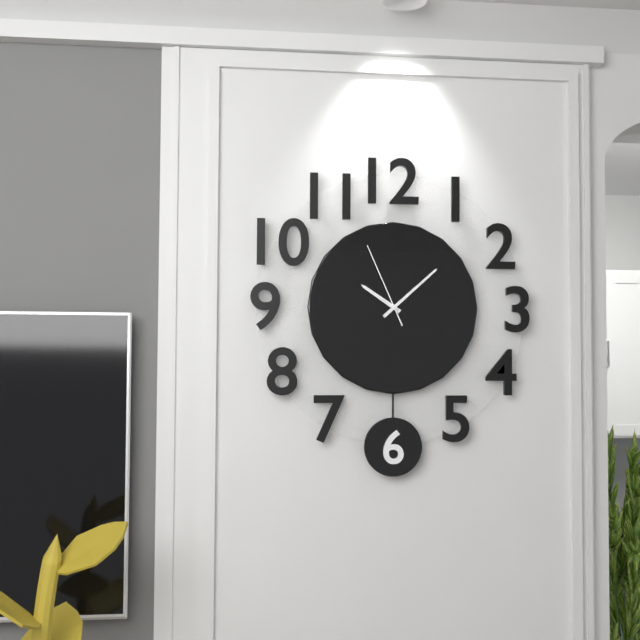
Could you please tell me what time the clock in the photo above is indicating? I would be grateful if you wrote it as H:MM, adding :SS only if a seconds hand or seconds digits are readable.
10:08:56
